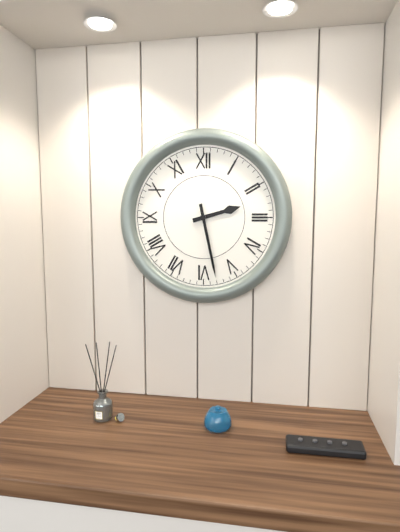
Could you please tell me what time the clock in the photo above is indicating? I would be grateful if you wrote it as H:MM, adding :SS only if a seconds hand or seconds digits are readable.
2:28
